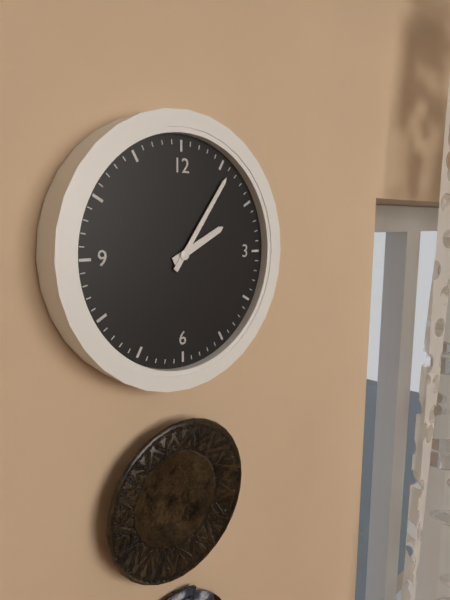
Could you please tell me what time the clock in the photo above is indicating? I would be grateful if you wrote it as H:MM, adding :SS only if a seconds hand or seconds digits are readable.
2:06
